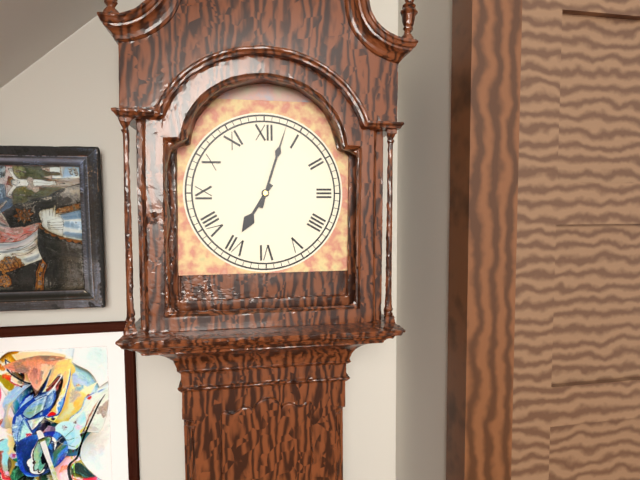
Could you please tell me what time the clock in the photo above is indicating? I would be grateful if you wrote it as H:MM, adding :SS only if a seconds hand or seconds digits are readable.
7:03
